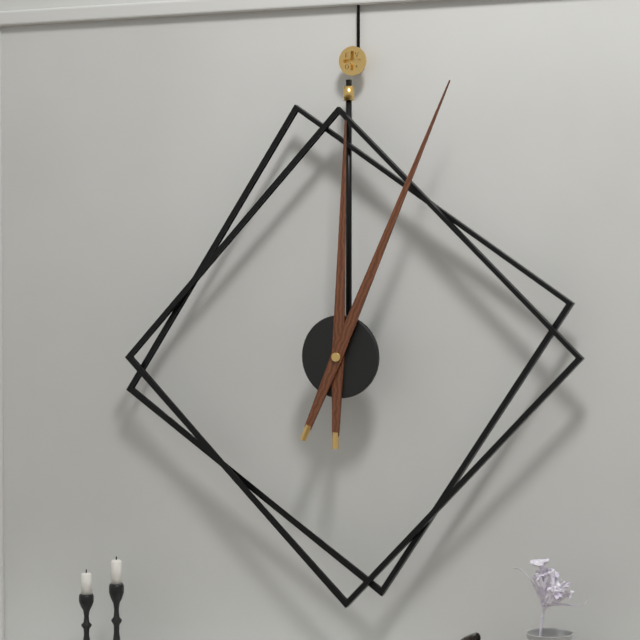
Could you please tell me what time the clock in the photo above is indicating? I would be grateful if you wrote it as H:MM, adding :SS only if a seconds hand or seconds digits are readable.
12:04
